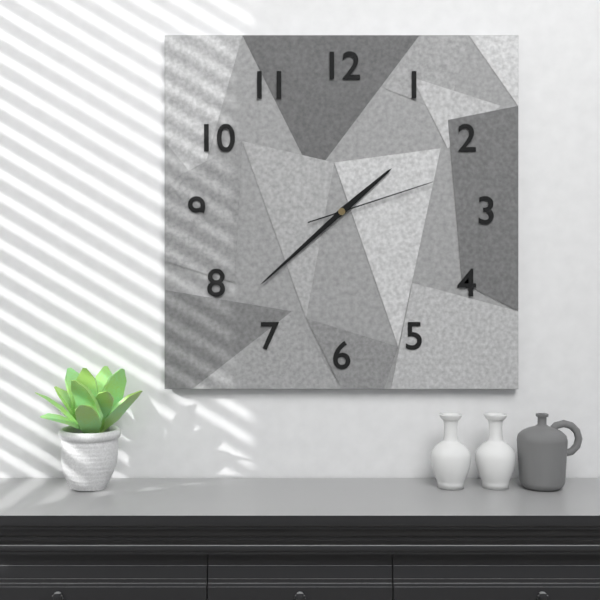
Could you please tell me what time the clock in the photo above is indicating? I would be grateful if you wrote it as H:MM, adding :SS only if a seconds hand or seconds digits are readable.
1:38:12
